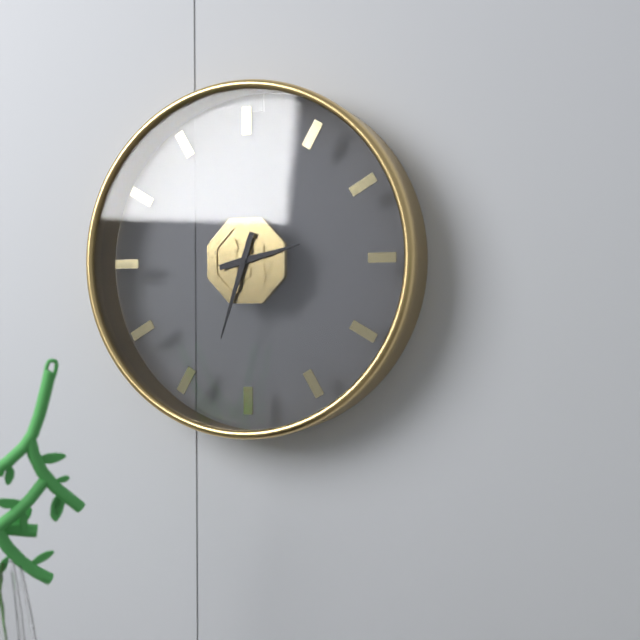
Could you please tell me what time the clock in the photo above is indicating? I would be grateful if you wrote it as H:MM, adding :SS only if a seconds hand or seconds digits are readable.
2:33
